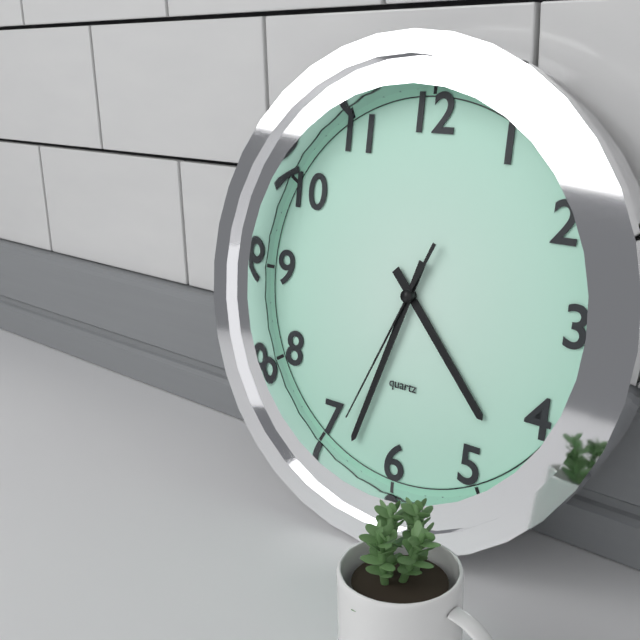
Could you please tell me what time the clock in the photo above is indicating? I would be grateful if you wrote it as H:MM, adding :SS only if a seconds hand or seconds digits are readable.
4:33:34
